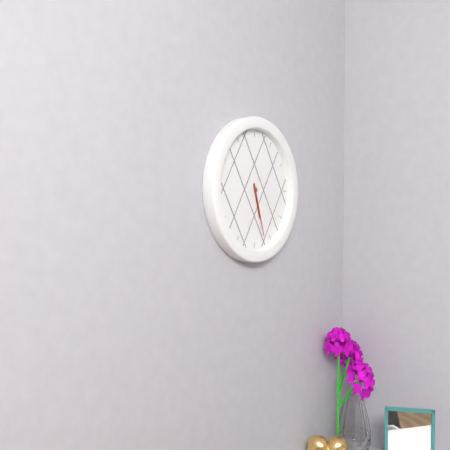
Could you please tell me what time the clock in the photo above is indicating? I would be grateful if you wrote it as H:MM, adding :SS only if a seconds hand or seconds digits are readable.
5:27
